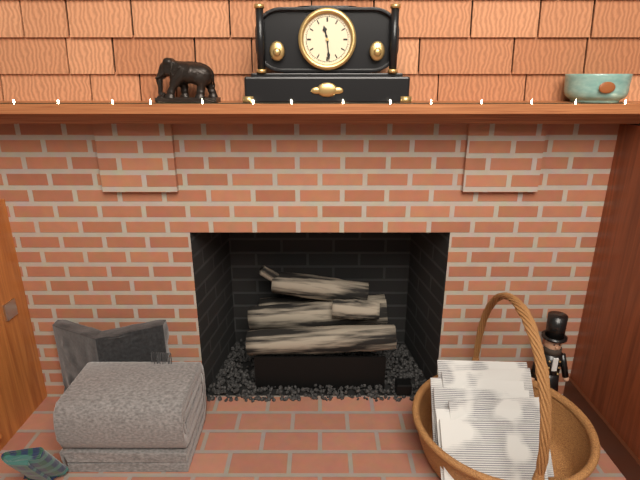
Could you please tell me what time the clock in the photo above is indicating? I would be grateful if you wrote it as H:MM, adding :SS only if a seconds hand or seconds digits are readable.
11:29
